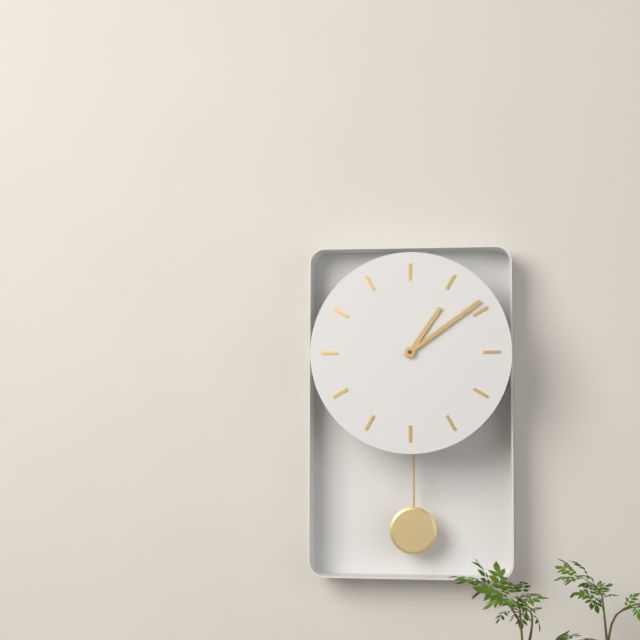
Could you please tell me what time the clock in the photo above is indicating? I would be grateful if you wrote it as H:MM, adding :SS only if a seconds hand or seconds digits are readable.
1:09
